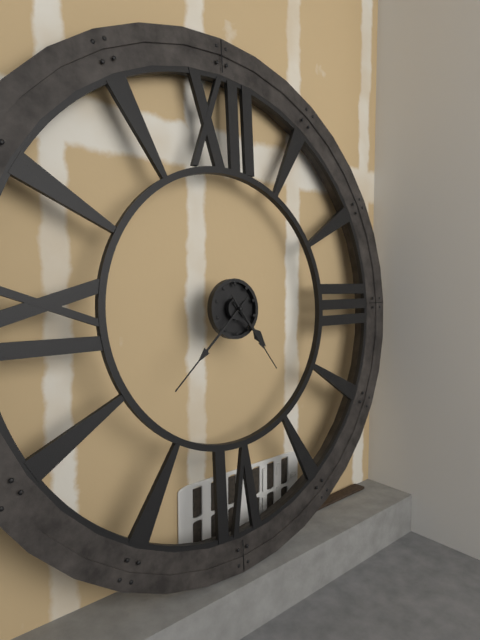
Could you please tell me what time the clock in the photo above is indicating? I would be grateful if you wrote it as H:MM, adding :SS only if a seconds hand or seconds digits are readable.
4:38:24
